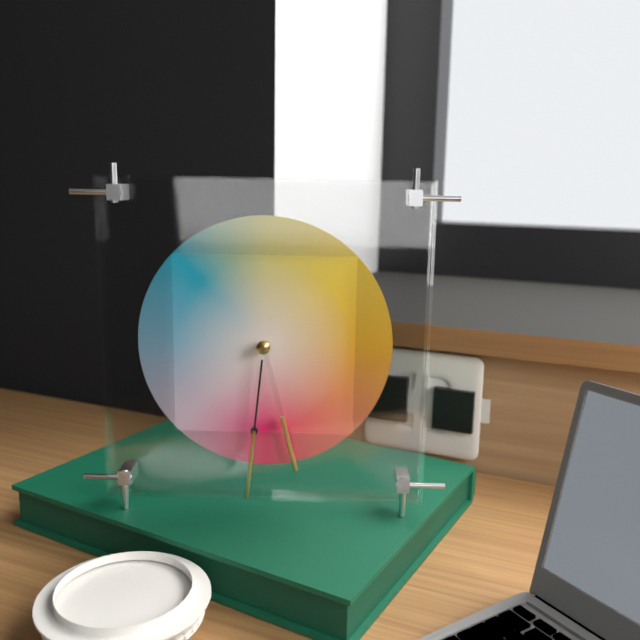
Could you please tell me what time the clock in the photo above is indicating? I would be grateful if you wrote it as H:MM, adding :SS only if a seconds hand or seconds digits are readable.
5:31
